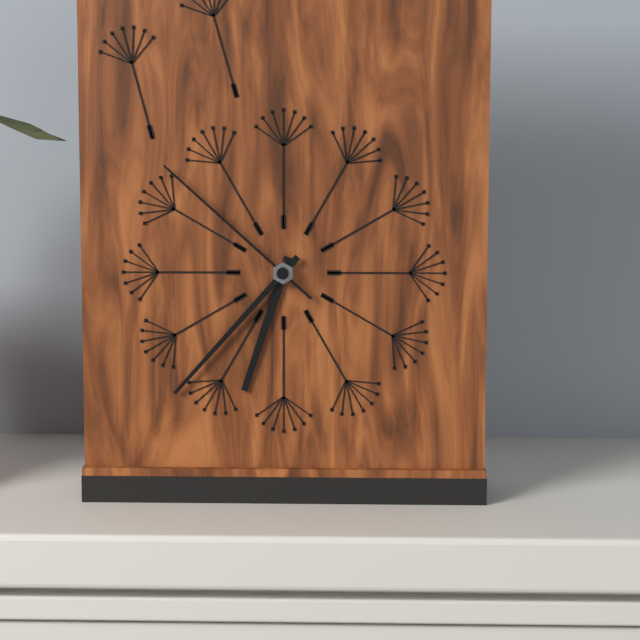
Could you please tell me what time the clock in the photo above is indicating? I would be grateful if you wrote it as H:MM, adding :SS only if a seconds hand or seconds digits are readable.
6:37:52
